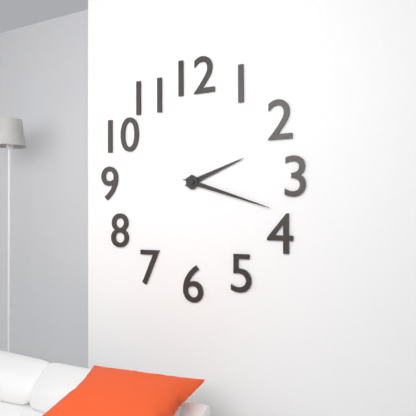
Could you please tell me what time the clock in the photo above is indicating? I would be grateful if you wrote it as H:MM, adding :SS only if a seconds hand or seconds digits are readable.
2:18
